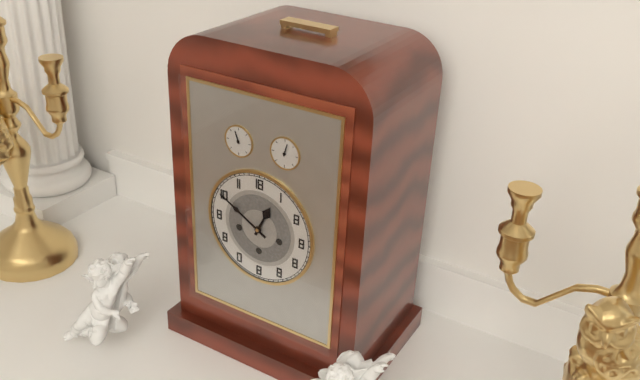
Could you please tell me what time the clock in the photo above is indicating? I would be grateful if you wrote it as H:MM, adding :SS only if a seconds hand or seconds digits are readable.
12:50
